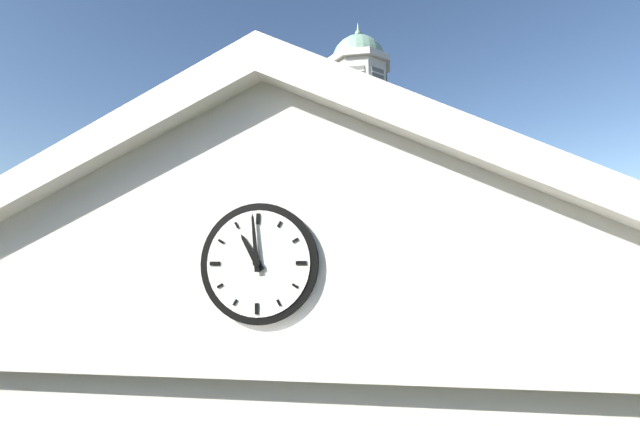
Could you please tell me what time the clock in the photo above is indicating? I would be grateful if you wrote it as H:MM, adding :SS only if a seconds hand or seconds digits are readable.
10:59
